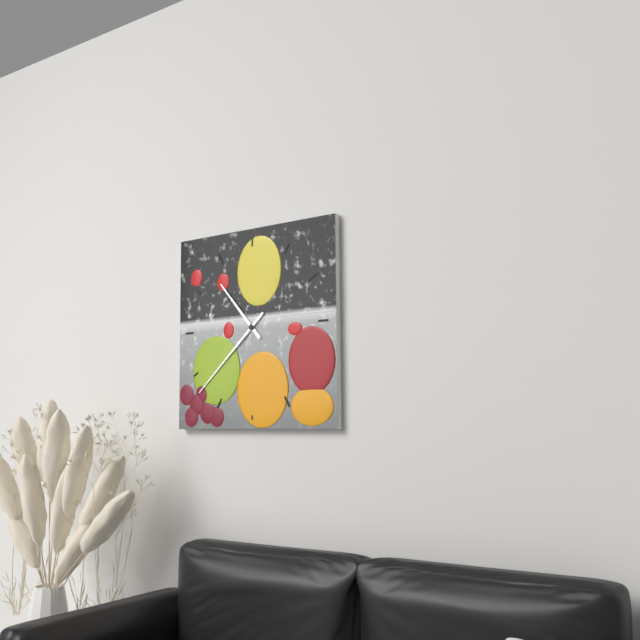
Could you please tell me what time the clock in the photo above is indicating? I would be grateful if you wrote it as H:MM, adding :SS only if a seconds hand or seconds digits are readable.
10:38
